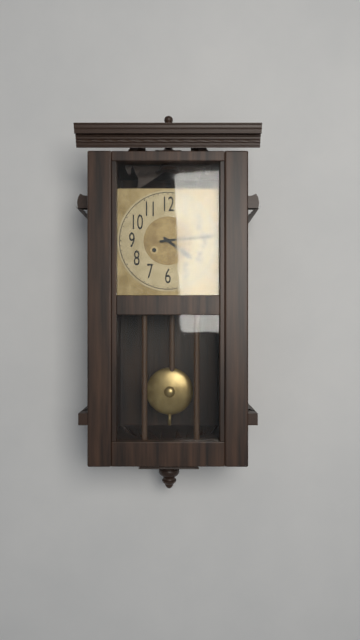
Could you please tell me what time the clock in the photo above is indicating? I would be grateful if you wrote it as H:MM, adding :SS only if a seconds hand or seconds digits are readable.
4:14
